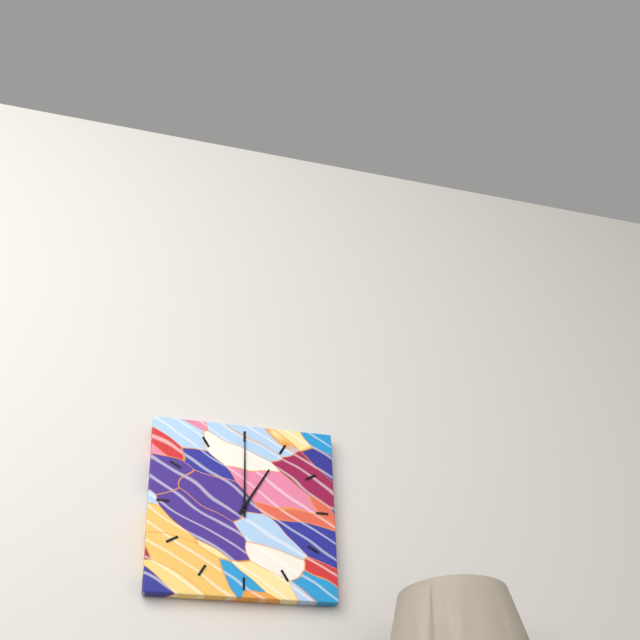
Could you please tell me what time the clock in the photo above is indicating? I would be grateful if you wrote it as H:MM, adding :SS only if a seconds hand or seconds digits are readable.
1:00
